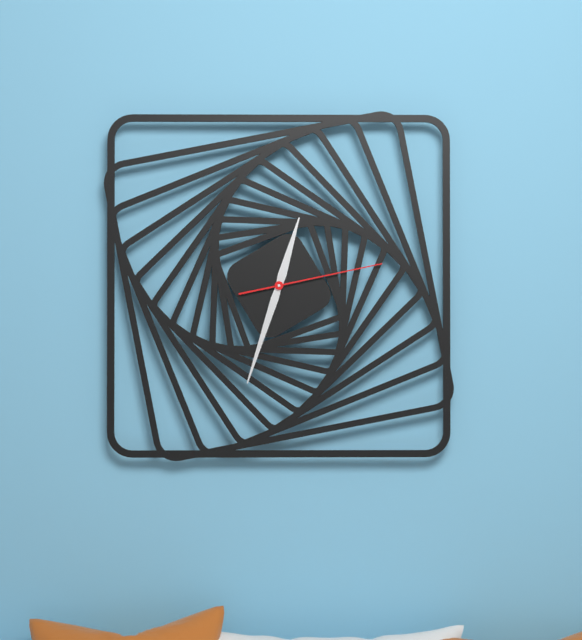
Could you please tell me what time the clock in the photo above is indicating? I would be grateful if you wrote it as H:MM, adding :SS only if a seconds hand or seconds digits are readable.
12:33:13
